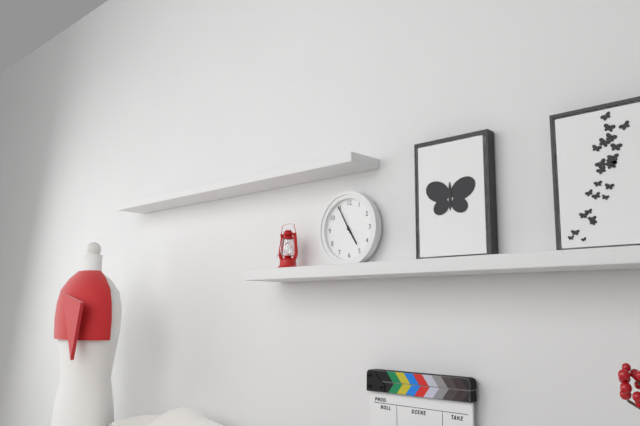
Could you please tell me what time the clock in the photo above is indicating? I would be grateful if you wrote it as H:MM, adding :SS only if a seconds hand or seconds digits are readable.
4:55
